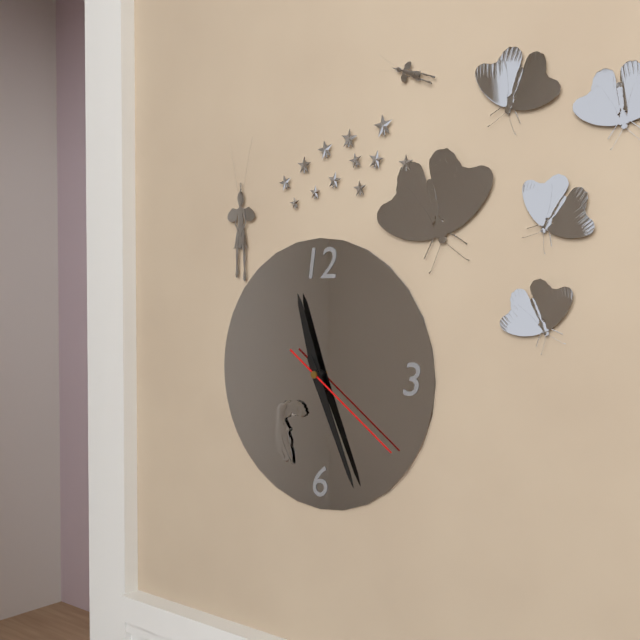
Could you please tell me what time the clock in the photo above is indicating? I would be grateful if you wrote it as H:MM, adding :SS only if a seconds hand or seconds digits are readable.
11:26:21
